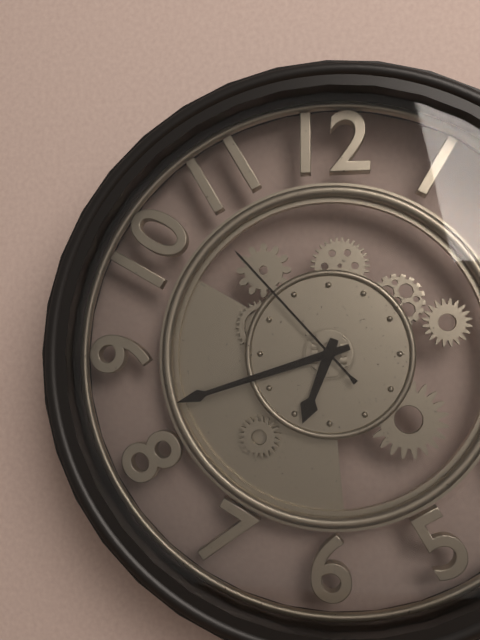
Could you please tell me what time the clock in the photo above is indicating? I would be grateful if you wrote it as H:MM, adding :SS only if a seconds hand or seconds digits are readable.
6:42:53
